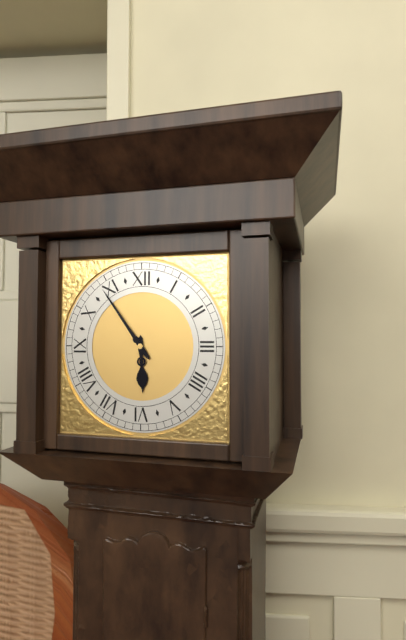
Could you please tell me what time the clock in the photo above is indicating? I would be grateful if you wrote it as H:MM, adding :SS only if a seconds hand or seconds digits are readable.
5:54
